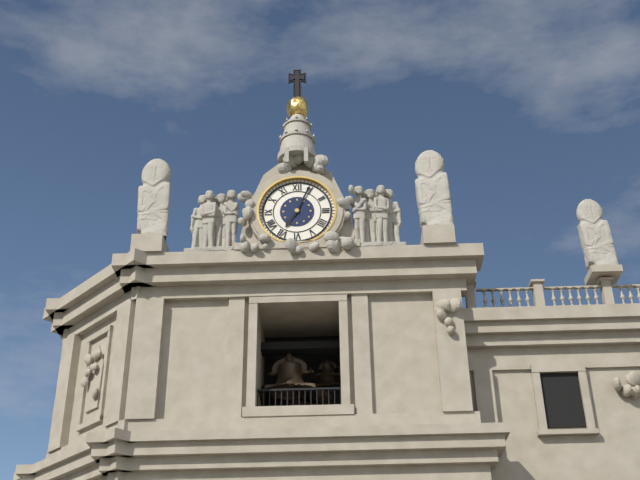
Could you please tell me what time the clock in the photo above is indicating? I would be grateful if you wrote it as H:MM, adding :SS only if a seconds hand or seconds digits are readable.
7:04
